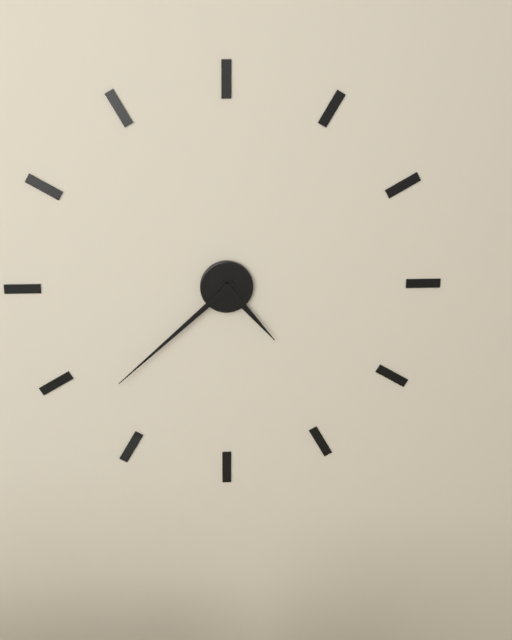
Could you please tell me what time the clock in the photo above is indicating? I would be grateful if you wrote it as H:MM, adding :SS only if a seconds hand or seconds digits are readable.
4:38
